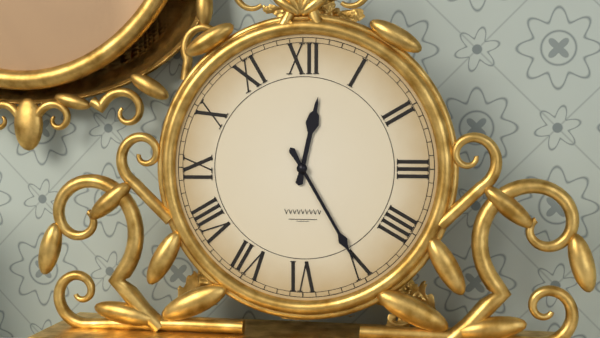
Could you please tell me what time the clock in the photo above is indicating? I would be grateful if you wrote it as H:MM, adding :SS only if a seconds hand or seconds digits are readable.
12:25
